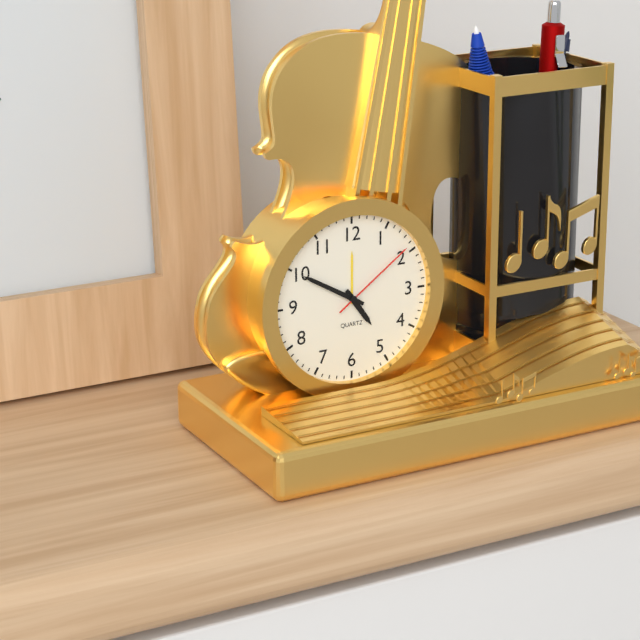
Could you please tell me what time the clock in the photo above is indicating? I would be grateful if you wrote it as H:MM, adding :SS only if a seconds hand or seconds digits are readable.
4:50:09
